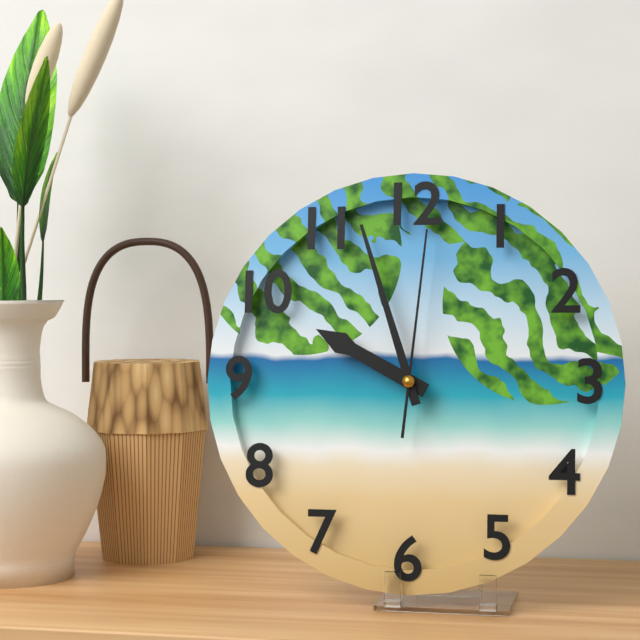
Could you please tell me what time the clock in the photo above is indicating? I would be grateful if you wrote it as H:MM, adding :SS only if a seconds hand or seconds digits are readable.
9:57:01
